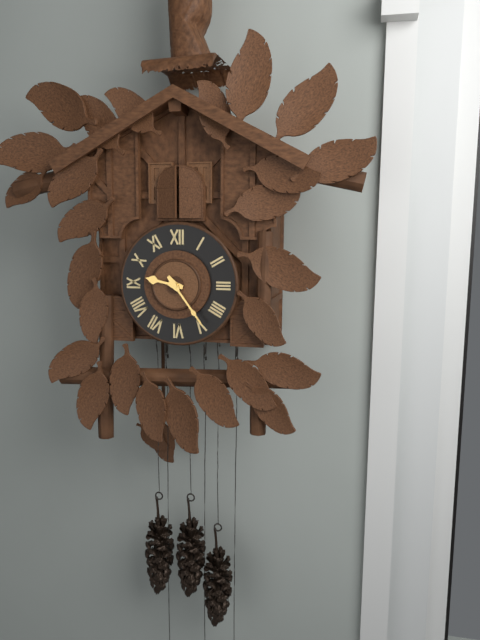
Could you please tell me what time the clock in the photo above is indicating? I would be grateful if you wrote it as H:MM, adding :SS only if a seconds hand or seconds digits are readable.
9:24
